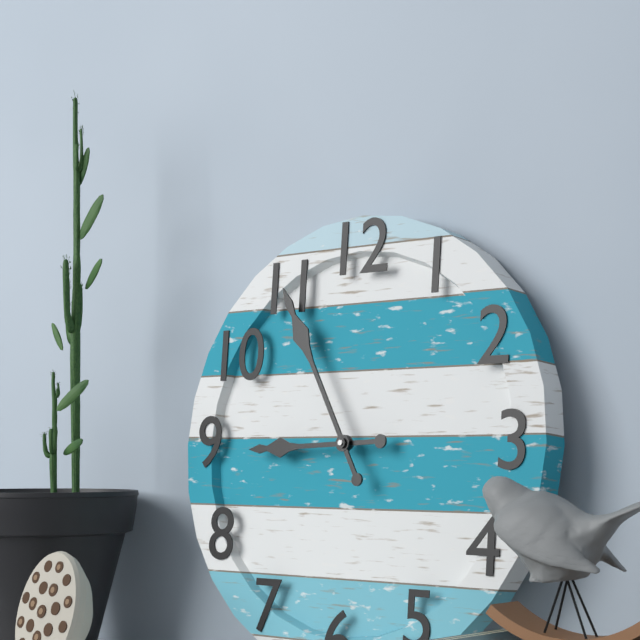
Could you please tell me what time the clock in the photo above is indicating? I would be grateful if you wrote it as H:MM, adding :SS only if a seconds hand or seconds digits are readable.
8:55
